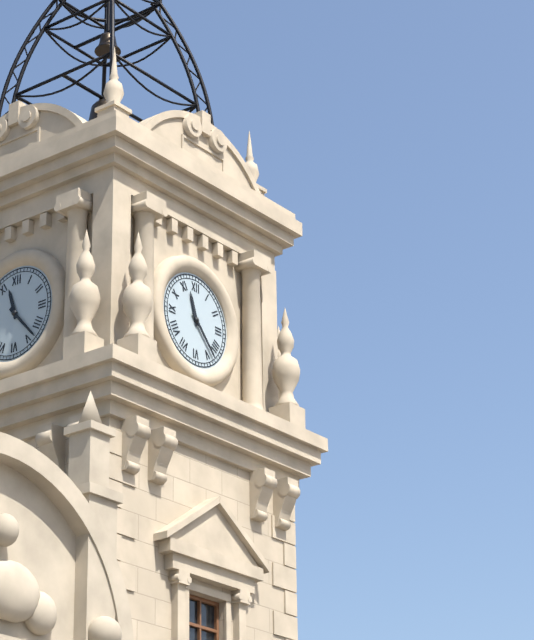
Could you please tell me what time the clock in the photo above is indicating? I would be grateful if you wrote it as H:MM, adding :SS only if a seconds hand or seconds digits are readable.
11:23
